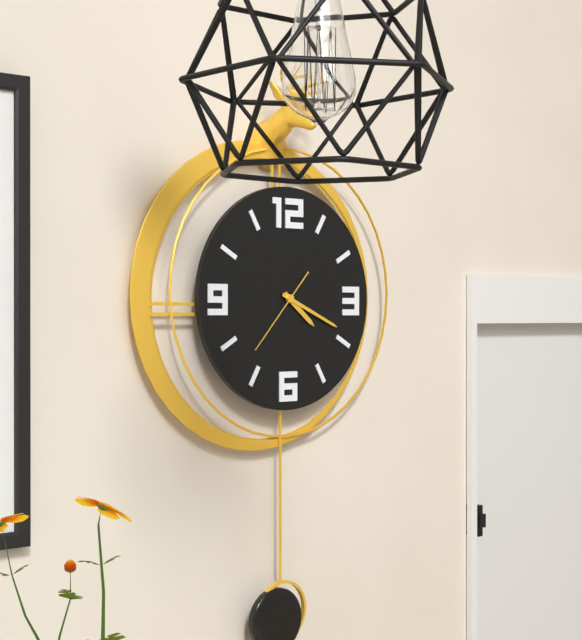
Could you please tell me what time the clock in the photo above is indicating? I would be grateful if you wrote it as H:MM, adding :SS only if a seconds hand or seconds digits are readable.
4:19:37
